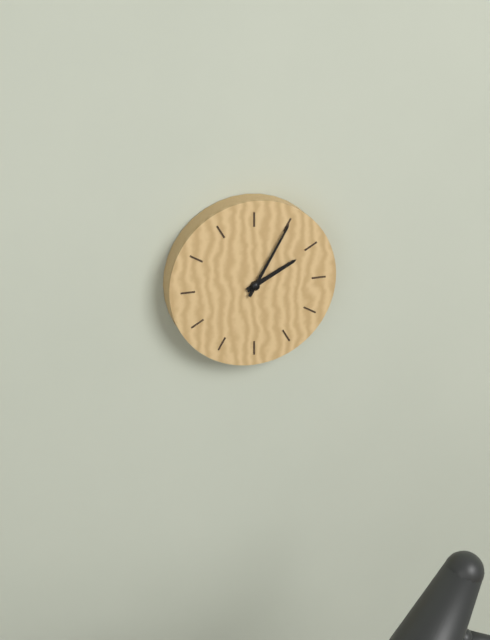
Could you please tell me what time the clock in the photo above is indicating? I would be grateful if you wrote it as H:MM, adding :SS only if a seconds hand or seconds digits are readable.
2:05
